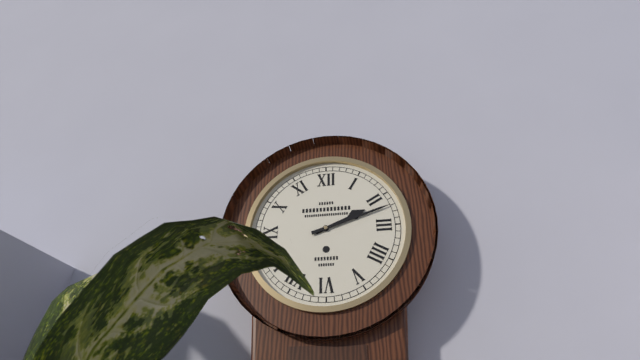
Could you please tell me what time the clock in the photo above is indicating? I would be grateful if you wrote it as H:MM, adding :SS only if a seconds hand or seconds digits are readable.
2:12
